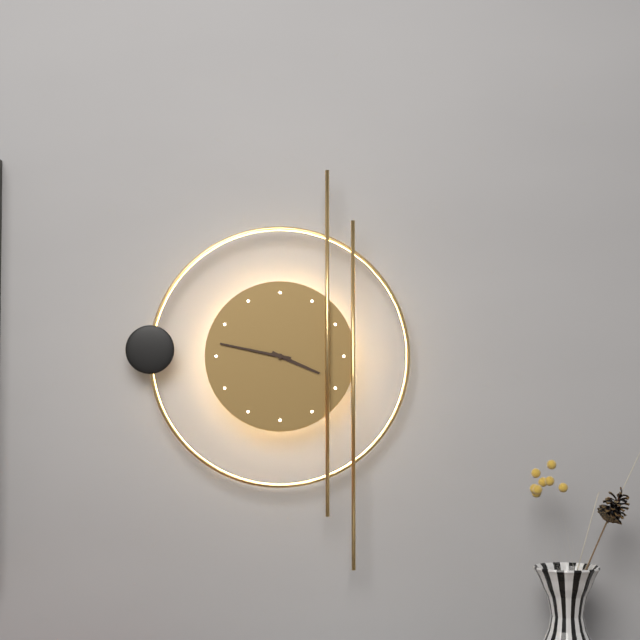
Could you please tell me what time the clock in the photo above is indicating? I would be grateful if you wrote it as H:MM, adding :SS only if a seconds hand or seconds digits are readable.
3:47
